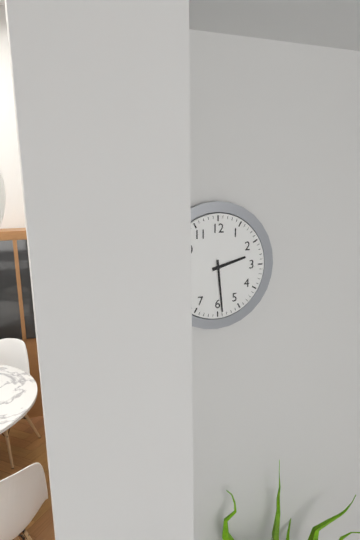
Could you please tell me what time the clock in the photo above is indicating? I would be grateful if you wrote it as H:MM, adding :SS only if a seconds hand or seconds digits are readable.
2:29
